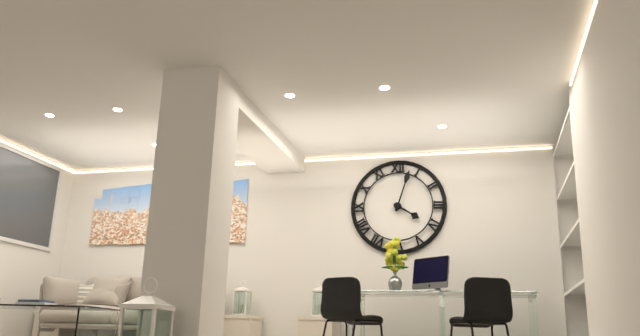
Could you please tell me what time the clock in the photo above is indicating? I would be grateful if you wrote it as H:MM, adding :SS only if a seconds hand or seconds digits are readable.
4:03
